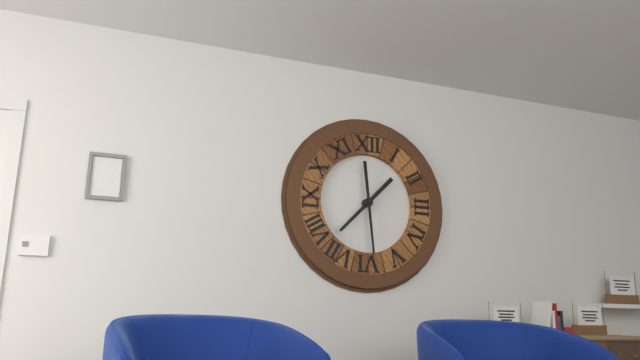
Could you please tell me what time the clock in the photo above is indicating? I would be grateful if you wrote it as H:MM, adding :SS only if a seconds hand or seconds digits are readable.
7:29
